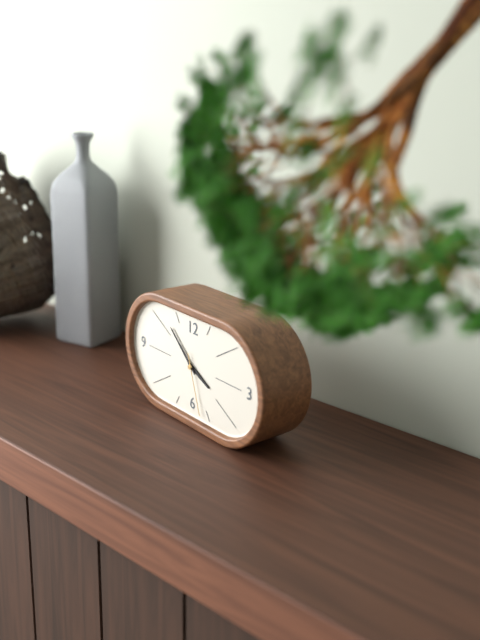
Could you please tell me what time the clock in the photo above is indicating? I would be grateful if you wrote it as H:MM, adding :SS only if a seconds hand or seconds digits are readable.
3:52:27
